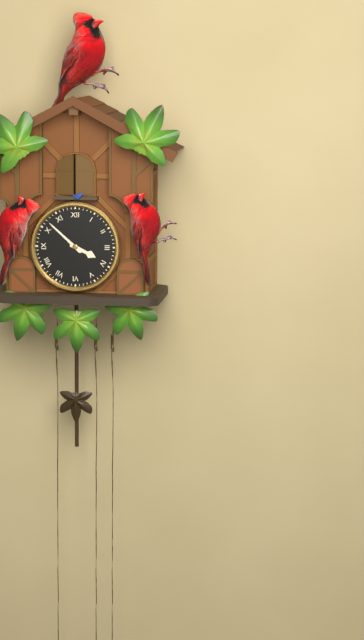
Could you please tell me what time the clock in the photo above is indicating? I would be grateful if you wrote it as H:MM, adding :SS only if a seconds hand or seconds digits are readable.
3:52
